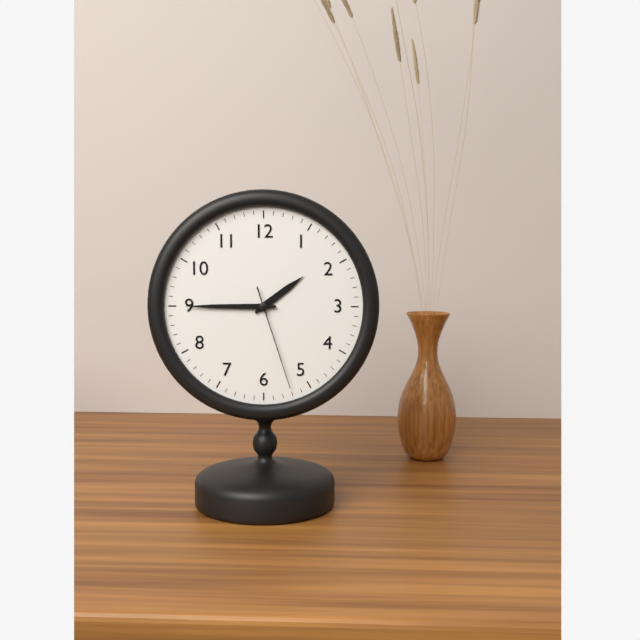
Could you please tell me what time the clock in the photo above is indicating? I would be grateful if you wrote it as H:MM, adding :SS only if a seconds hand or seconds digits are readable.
1:45:27
